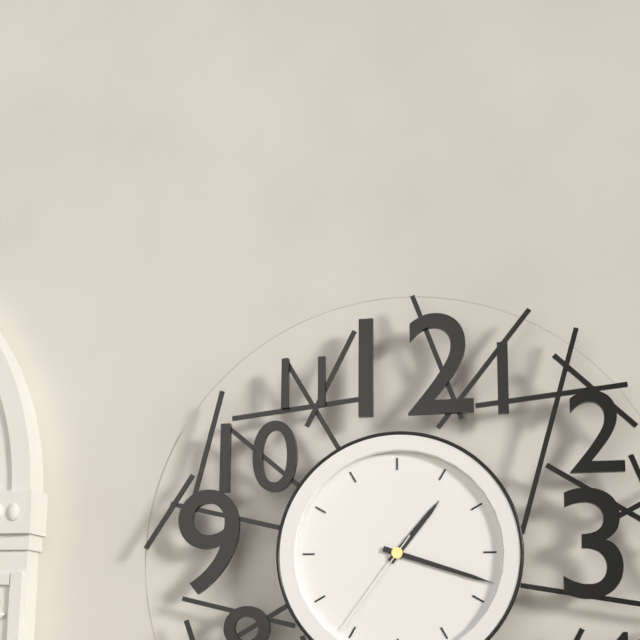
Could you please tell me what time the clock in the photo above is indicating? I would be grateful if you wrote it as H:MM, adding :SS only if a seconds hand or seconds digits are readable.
1:18:36
